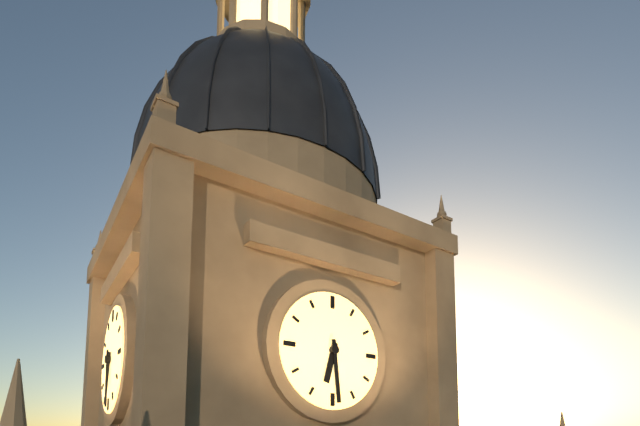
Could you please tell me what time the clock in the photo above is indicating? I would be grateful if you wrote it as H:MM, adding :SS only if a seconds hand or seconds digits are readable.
6:29
